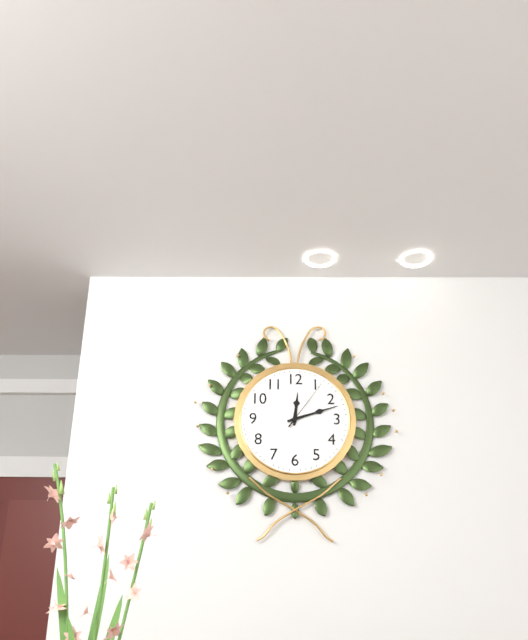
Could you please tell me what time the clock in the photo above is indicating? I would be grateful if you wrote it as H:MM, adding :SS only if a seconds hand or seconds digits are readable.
12:12:06
